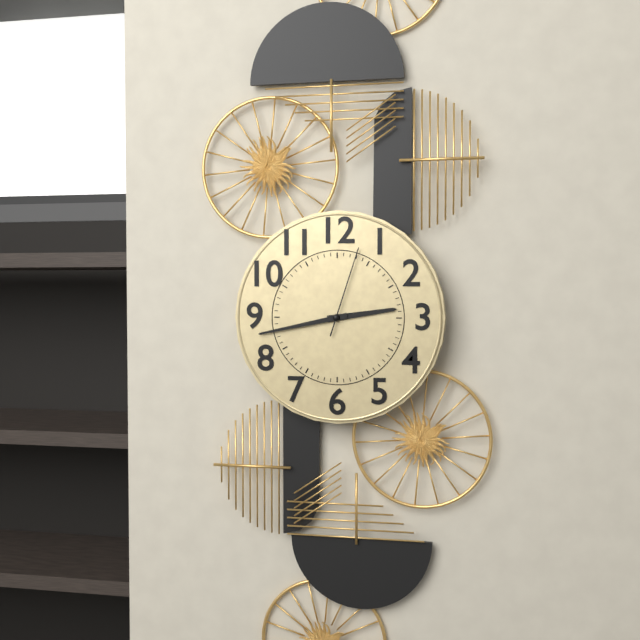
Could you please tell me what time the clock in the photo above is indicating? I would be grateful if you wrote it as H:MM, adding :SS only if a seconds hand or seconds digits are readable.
2:43:03
